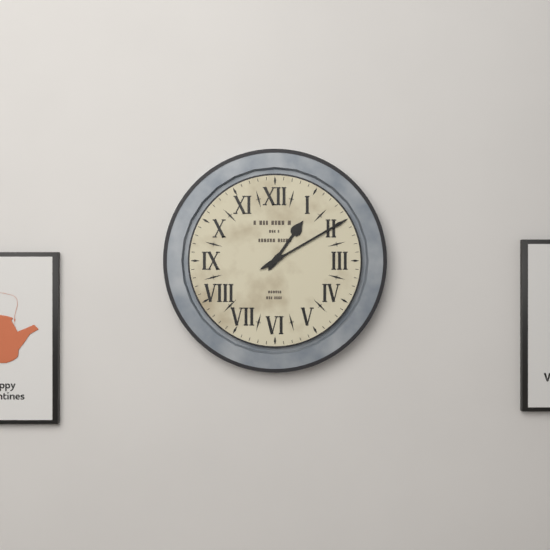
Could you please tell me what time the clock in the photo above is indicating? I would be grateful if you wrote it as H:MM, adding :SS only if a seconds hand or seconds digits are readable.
1:10
